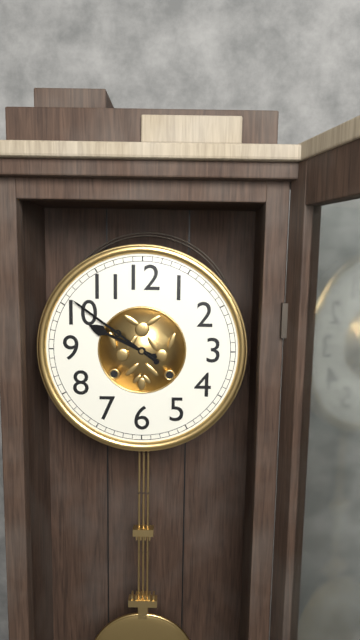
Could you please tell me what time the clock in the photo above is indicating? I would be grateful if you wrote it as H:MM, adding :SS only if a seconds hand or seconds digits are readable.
9:51
